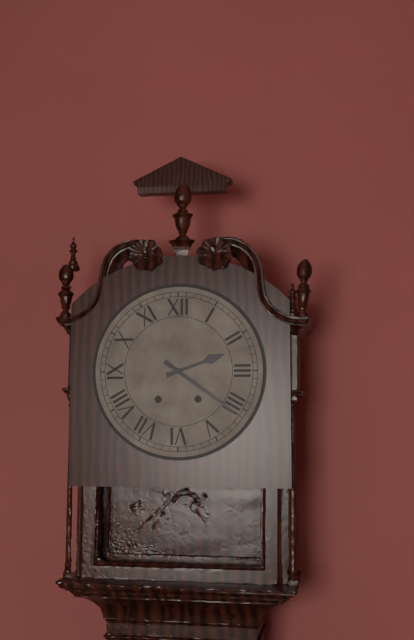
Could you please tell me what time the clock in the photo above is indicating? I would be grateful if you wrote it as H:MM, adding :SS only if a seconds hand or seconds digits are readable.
2:21
